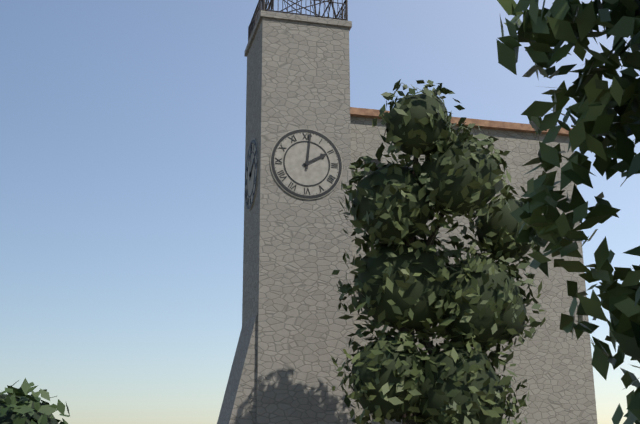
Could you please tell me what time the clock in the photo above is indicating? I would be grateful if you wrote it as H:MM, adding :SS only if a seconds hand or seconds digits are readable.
2:01
